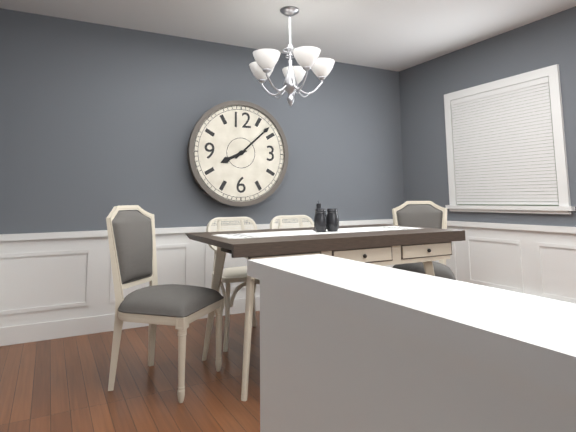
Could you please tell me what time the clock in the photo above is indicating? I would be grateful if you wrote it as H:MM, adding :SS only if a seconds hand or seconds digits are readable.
8:08
